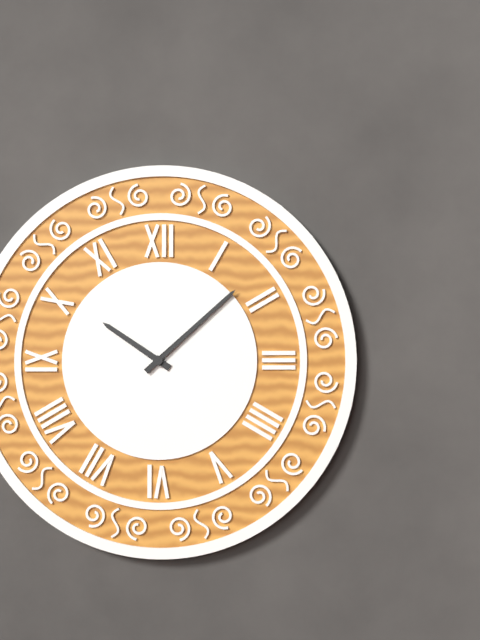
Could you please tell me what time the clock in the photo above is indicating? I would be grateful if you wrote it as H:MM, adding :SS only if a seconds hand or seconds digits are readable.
10:08
